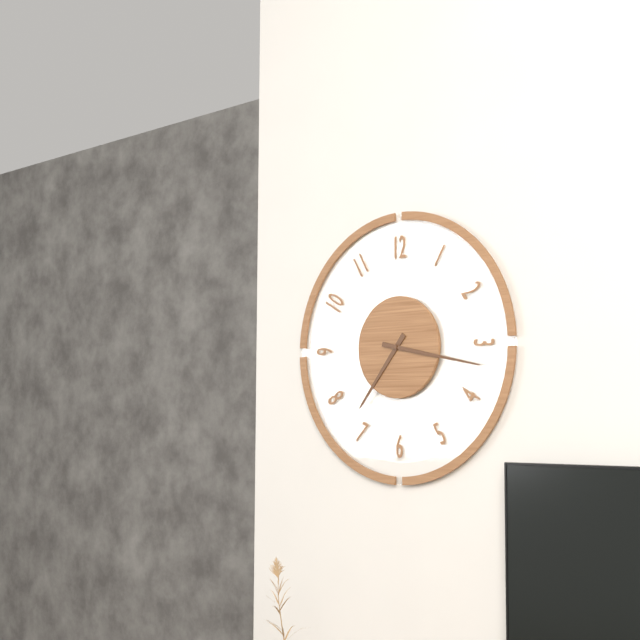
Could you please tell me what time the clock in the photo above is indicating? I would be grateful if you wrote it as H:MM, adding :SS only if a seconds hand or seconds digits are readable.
7:17
